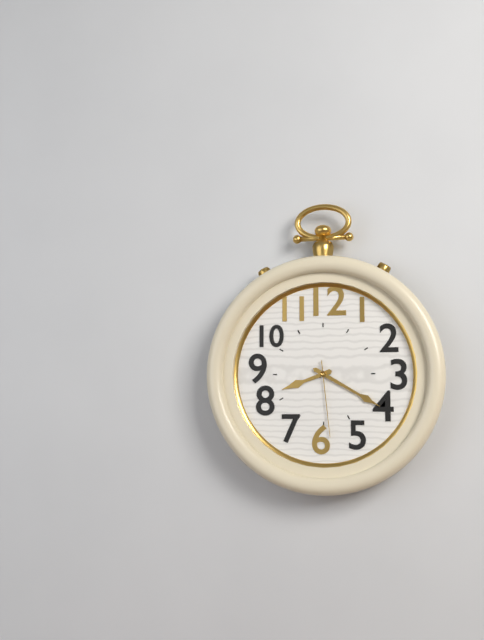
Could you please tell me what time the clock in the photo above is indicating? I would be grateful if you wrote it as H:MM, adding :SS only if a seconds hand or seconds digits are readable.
8:20:29
